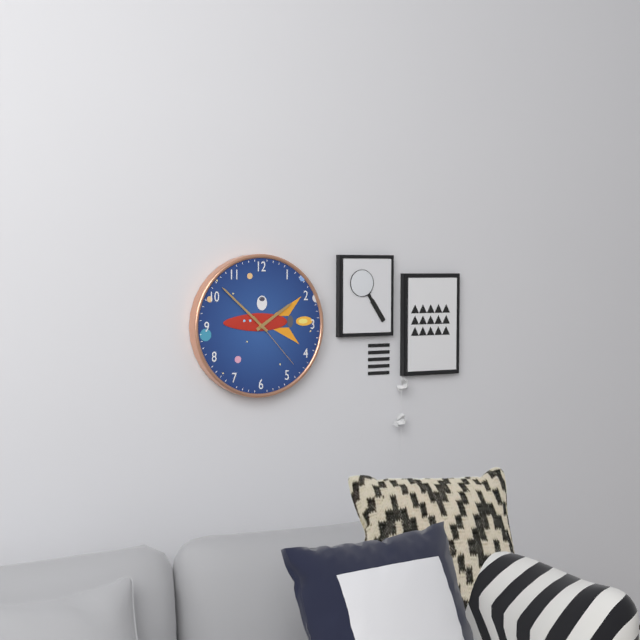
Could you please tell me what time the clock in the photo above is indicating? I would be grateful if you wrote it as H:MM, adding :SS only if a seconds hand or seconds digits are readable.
1:52:23
